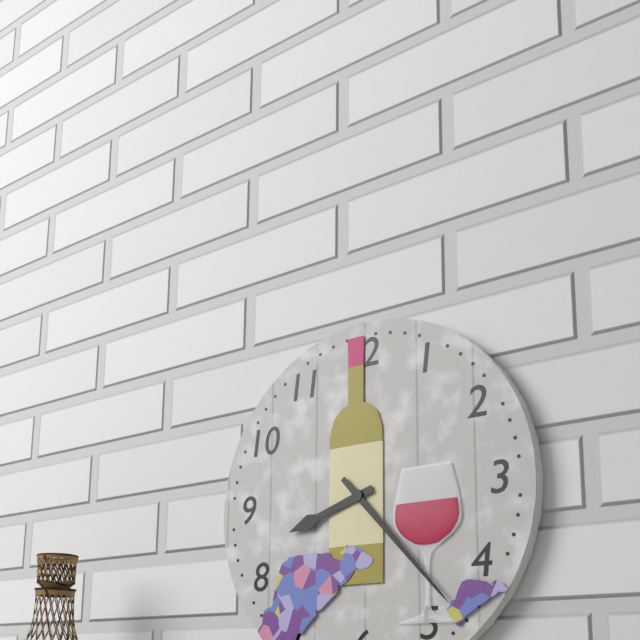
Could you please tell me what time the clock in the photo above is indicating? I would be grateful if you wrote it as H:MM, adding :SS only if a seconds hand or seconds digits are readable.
8:23
